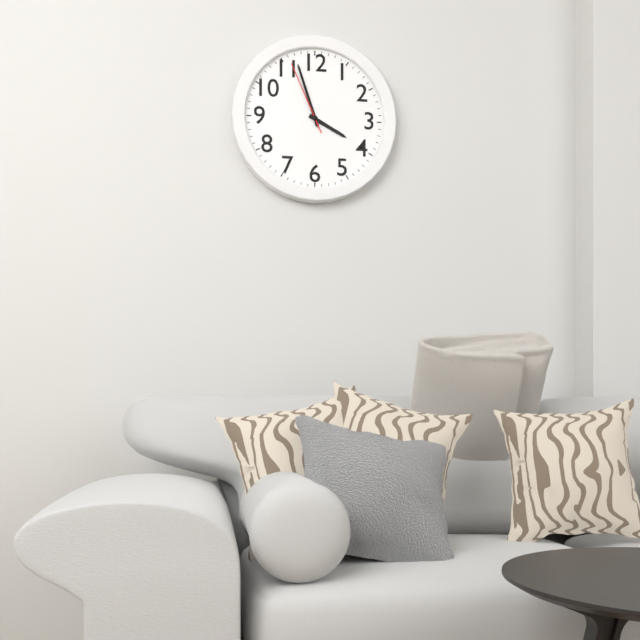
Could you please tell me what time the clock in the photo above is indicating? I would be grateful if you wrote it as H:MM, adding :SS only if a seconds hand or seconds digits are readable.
3:57:56
